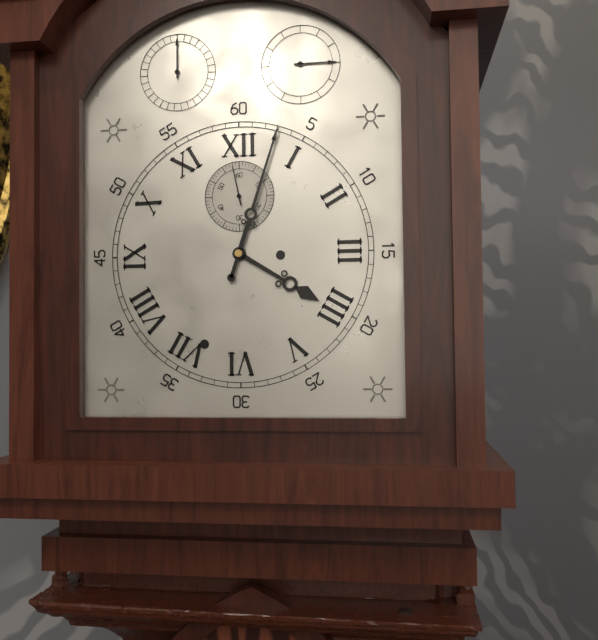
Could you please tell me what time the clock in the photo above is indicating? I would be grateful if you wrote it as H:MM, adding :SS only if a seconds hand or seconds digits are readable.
4:03
